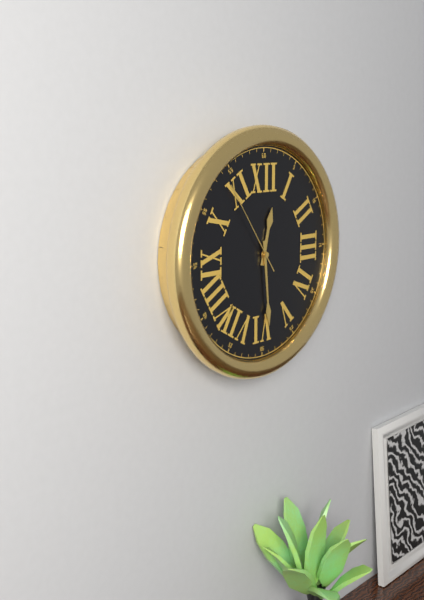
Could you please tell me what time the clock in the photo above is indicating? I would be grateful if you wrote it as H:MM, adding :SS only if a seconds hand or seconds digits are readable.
12:29:54
